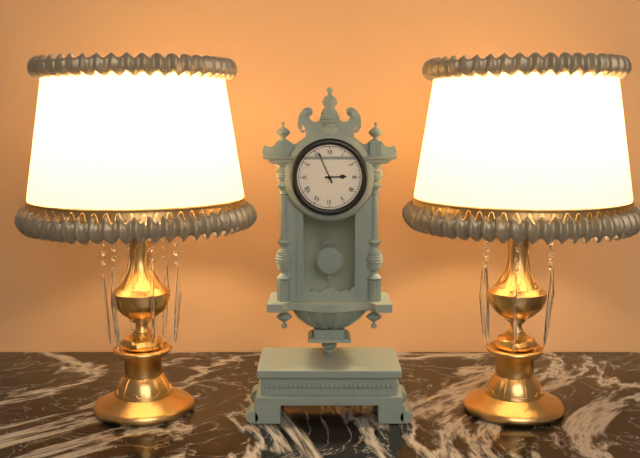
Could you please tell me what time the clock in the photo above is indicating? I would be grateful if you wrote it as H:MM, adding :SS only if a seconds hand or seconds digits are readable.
2:56
